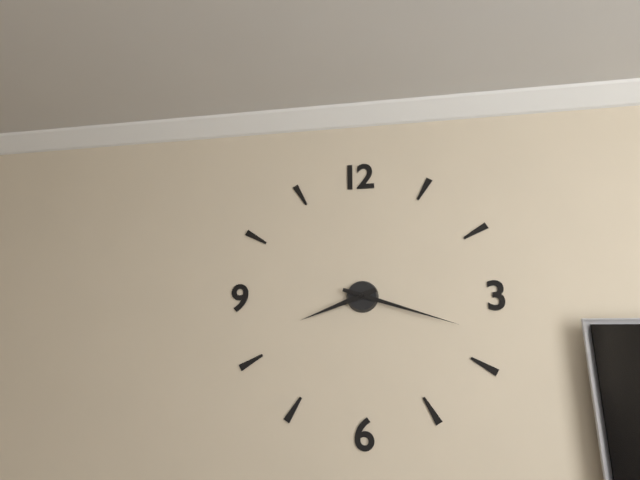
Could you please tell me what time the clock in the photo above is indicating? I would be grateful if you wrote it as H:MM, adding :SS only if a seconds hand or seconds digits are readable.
8:18
